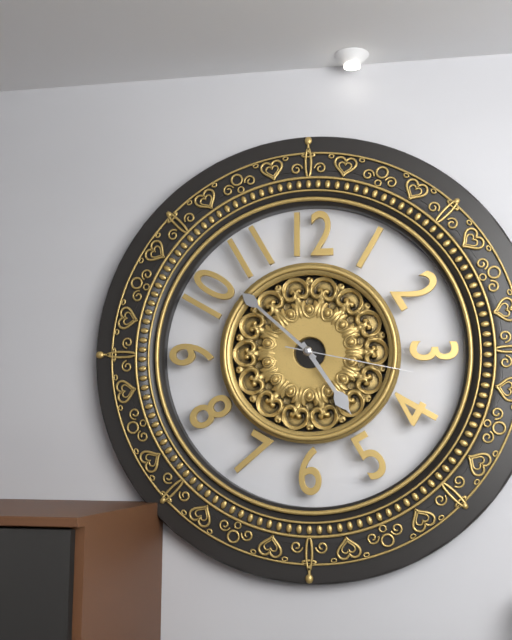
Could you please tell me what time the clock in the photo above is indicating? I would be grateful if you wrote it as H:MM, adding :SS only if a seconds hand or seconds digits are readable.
4:52:17
